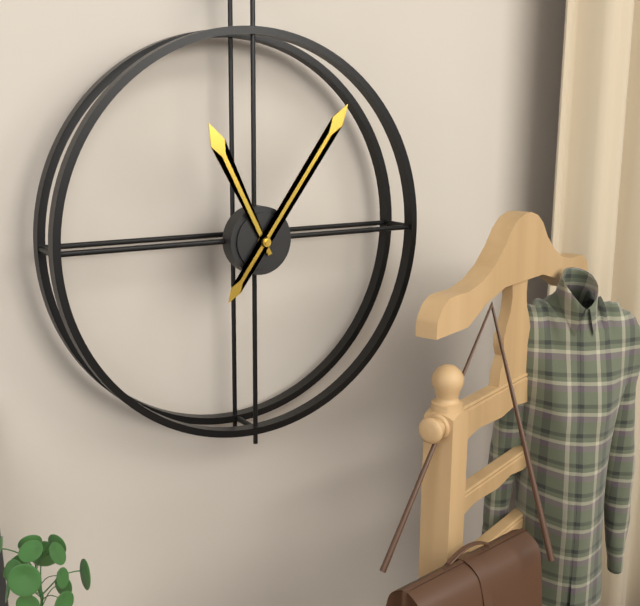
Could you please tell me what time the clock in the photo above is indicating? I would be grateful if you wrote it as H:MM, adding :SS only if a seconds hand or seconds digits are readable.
11:06
